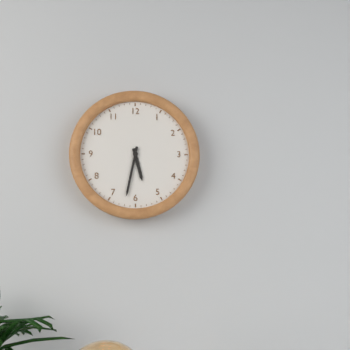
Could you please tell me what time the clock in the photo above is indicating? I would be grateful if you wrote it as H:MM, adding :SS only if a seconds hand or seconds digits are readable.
5:32
